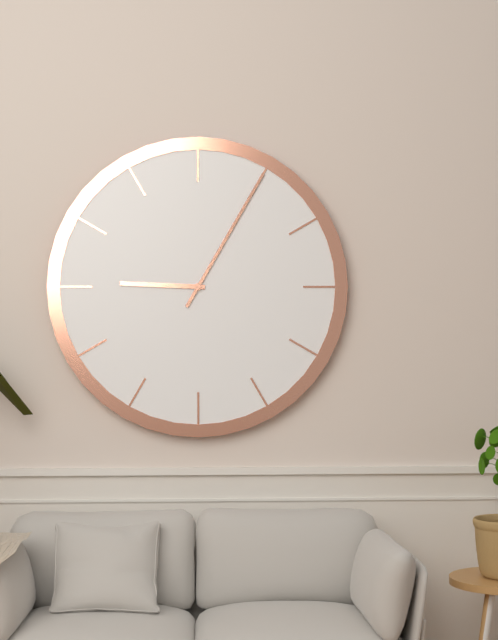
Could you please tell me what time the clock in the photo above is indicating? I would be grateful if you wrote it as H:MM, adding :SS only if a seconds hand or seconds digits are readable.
9:05
